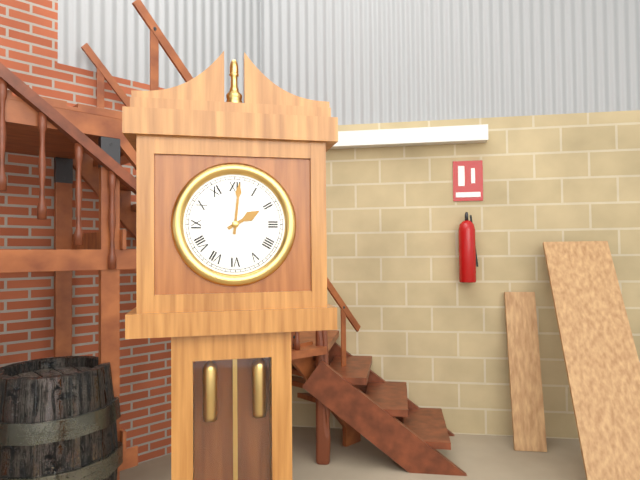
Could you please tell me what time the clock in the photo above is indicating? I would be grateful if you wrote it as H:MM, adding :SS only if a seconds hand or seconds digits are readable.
2:01
